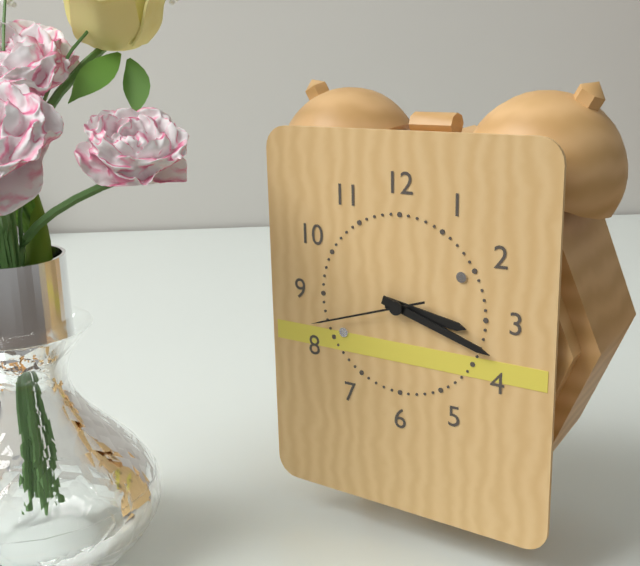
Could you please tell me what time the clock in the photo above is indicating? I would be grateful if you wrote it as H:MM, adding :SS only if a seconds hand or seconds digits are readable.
3:18:42
